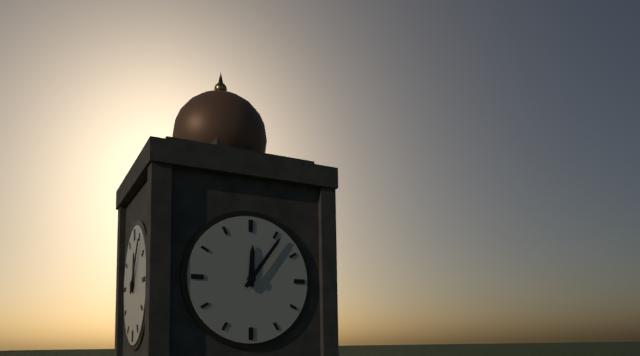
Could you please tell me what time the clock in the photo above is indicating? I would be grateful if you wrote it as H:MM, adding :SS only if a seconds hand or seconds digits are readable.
12:06
